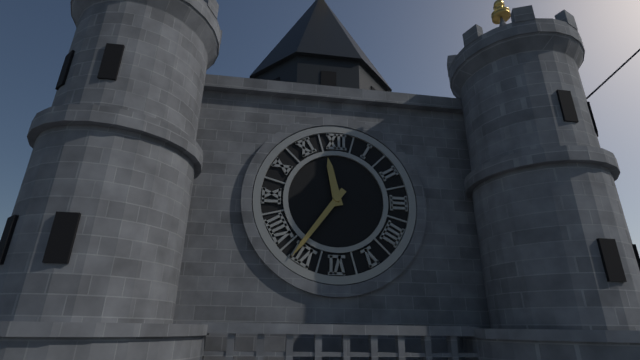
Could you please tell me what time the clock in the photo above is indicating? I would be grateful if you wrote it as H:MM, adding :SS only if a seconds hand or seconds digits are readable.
11:36
